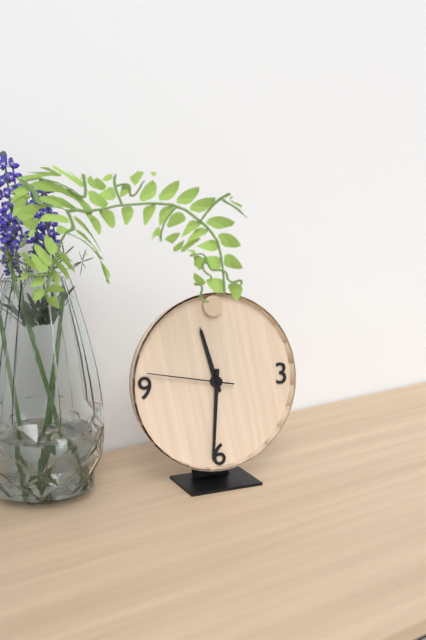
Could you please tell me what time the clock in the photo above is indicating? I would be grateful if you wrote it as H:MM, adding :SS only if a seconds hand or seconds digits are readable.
11:31:47
